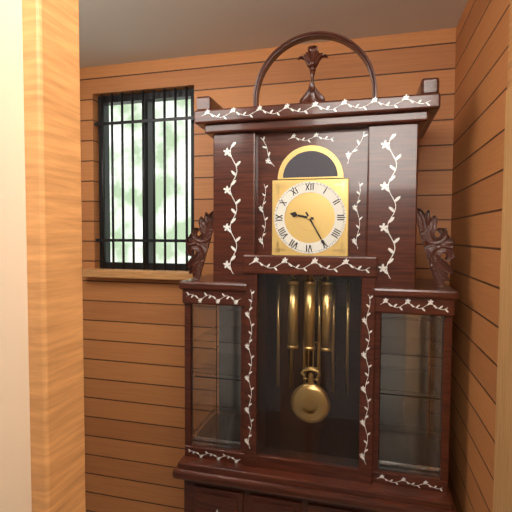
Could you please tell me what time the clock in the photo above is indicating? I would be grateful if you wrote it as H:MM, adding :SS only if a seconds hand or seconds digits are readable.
9:25
